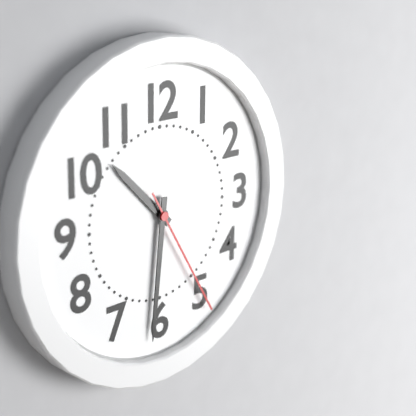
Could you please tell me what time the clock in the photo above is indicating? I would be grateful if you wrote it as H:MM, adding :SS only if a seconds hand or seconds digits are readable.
10:31:25
